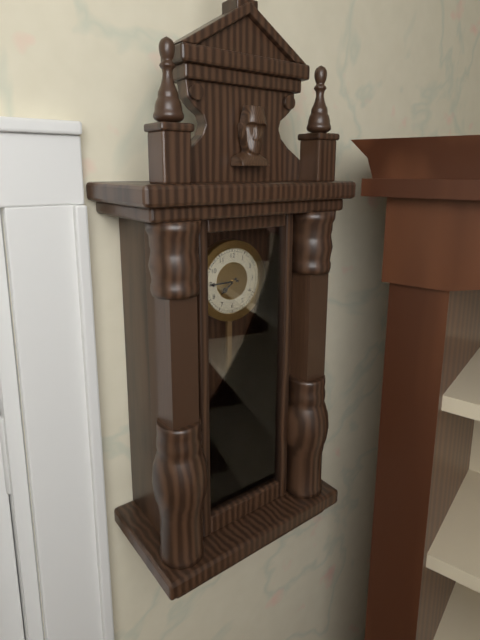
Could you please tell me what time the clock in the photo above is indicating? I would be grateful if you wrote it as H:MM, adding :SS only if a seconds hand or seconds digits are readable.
7:45
